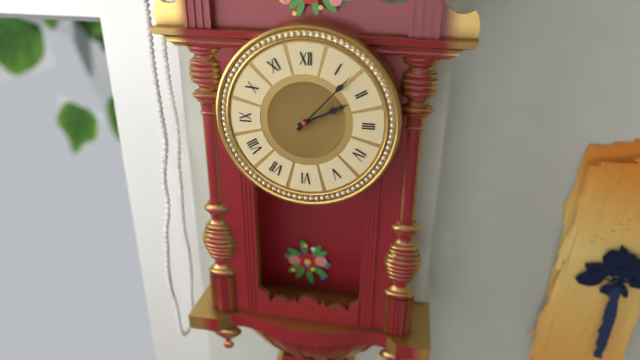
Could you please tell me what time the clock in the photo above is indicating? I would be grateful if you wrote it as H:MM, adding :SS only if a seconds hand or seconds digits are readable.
2:07
